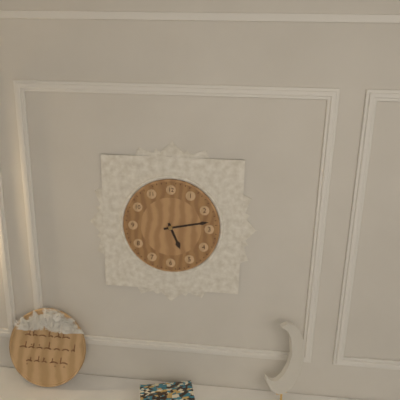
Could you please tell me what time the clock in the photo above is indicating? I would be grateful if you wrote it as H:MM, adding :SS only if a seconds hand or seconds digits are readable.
5:13
